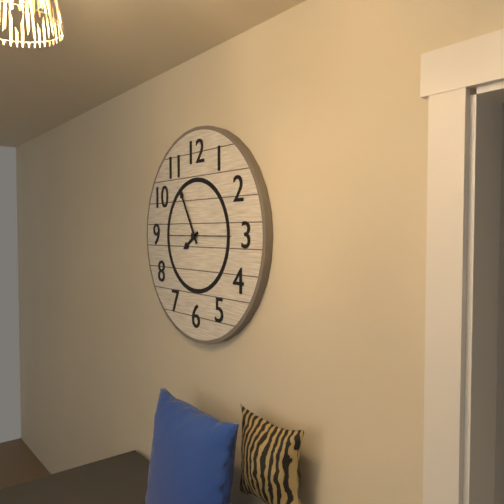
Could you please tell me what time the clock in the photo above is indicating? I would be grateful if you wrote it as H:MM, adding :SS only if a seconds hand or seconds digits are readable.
7:55
